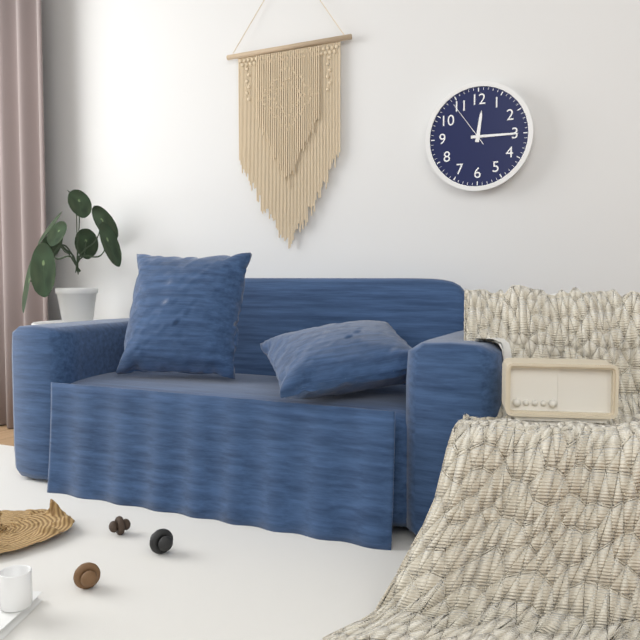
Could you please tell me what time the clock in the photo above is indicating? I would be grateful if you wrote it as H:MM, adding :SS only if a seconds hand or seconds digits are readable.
12:15:54
